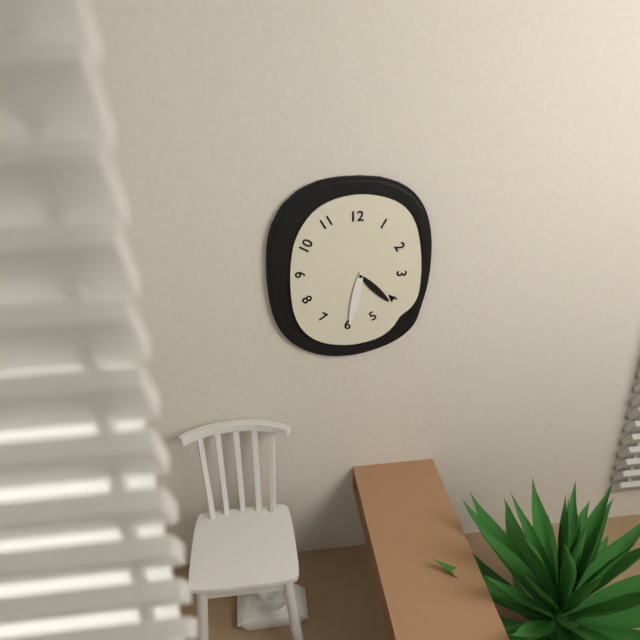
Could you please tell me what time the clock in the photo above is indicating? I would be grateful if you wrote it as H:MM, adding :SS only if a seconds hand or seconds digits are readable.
4:32
